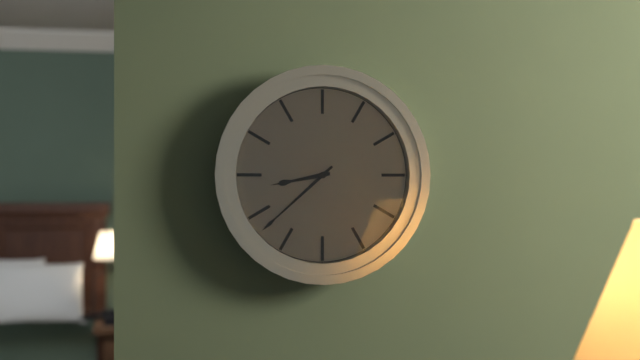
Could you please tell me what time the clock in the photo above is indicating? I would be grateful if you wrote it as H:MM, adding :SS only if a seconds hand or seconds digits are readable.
8:38
